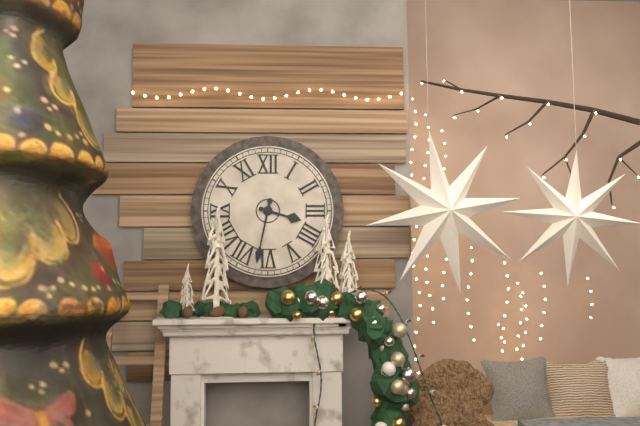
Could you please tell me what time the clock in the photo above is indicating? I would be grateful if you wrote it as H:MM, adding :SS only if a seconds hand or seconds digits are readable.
3:32
